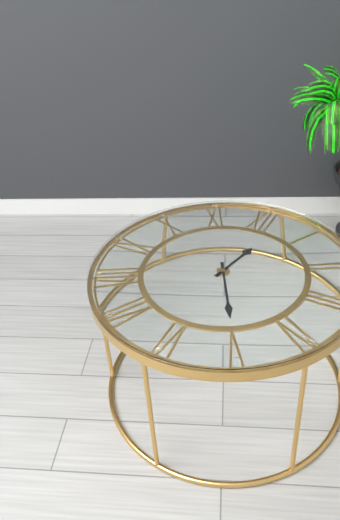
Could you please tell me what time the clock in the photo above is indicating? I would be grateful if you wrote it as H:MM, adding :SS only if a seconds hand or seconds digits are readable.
12:25
